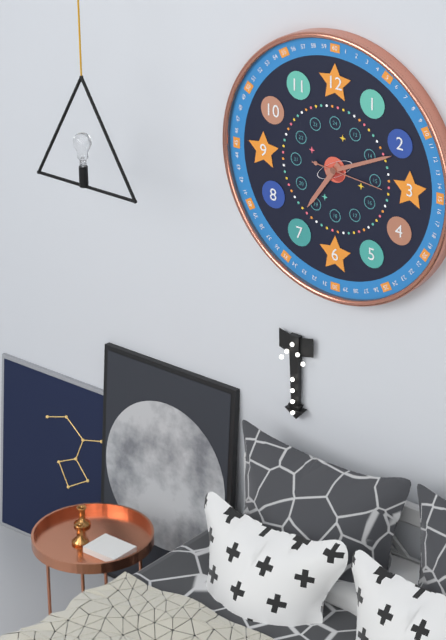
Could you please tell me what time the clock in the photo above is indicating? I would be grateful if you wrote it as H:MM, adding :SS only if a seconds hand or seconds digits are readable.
7:11:16
